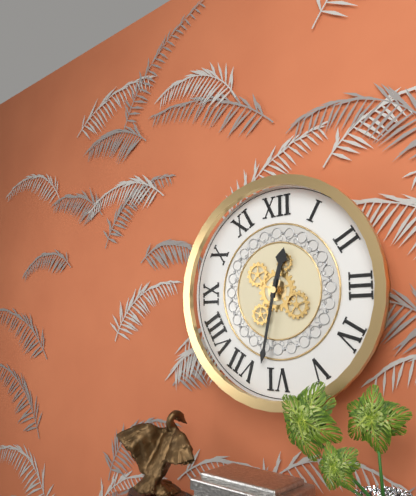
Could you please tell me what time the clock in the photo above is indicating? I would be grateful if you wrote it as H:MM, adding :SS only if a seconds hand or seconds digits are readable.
12:32
